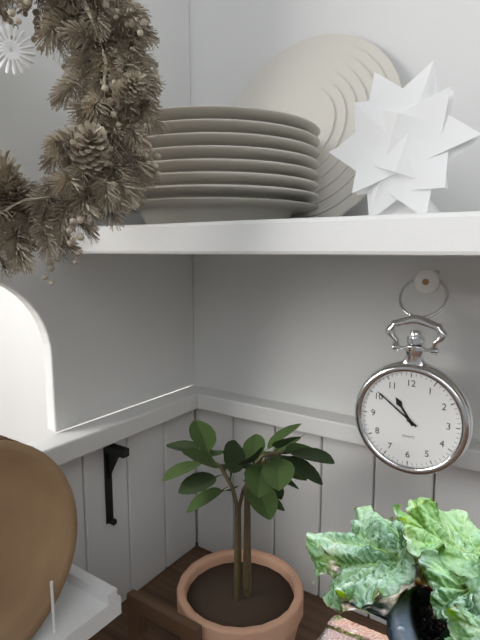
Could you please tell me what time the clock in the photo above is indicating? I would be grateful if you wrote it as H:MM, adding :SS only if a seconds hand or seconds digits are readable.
10:51
